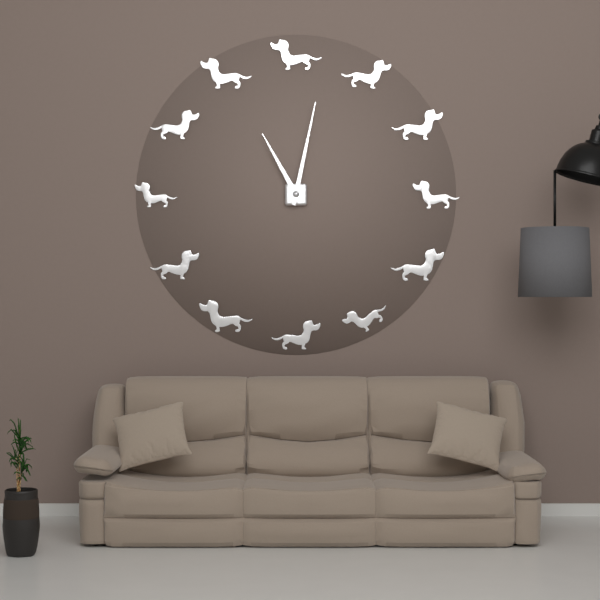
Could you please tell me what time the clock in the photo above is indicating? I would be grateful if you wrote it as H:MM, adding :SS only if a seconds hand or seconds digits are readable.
11:02
